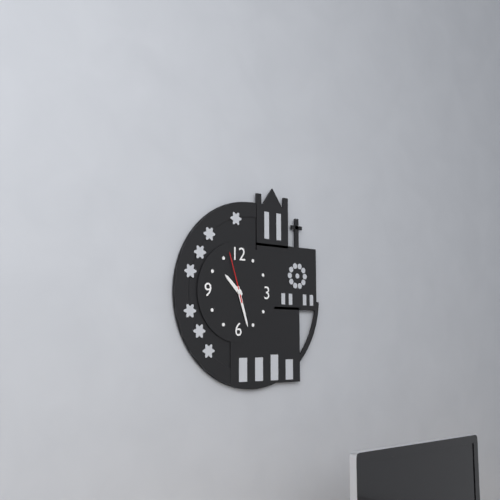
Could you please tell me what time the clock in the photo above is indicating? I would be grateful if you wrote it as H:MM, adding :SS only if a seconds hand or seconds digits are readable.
10:27:57
